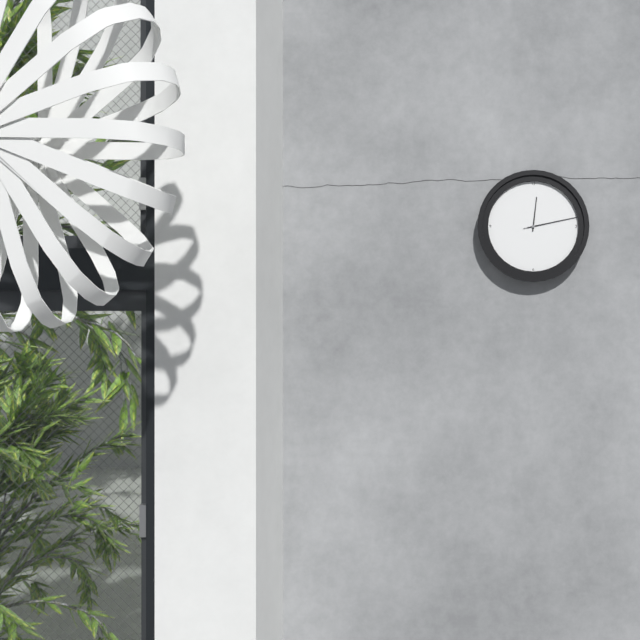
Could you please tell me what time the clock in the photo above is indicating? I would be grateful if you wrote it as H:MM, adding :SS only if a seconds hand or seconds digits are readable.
12:13:13
